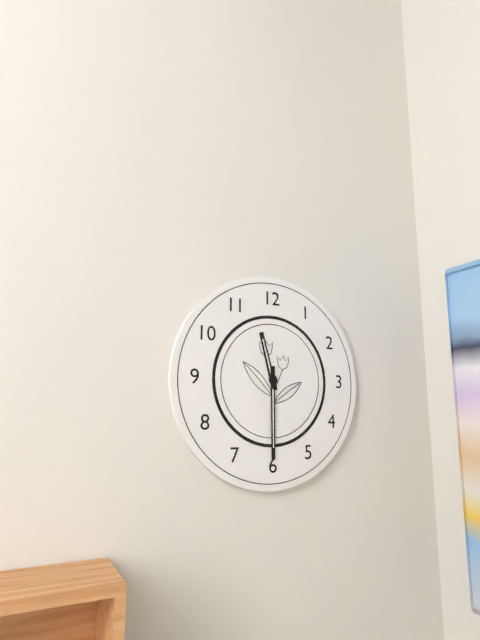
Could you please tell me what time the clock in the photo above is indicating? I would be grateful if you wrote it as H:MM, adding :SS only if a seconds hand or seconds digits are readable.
11:30
